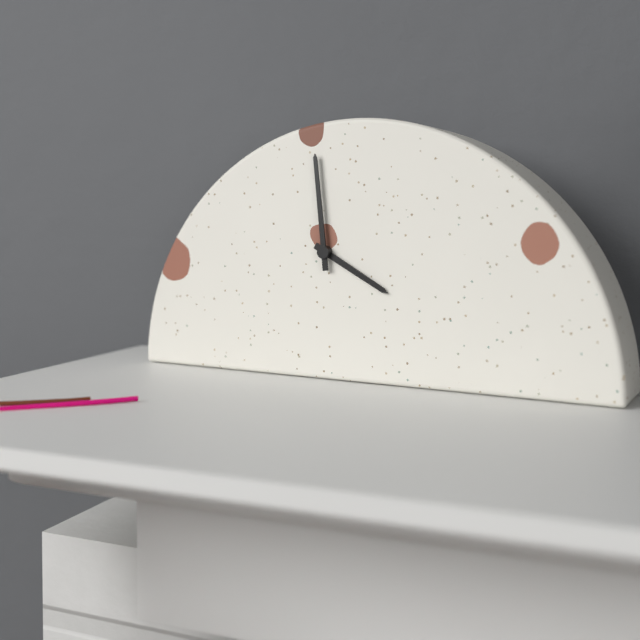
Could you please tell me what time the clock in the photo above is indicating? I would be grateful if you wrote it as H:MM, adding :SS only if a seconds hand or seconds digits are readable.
3:59
